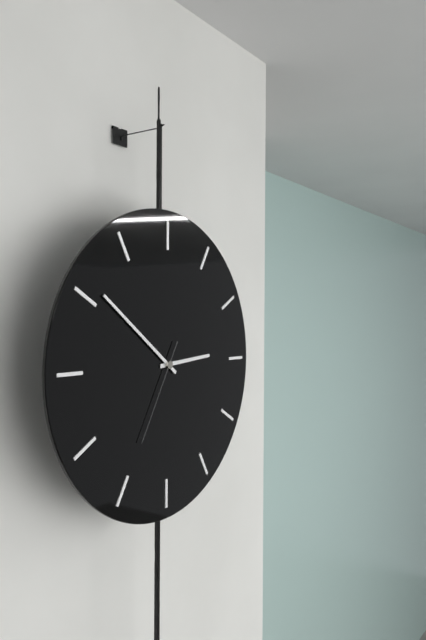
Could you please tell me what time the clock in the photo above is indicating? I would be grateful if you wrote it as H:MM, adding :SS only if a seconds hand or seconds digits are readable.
2:51:35
